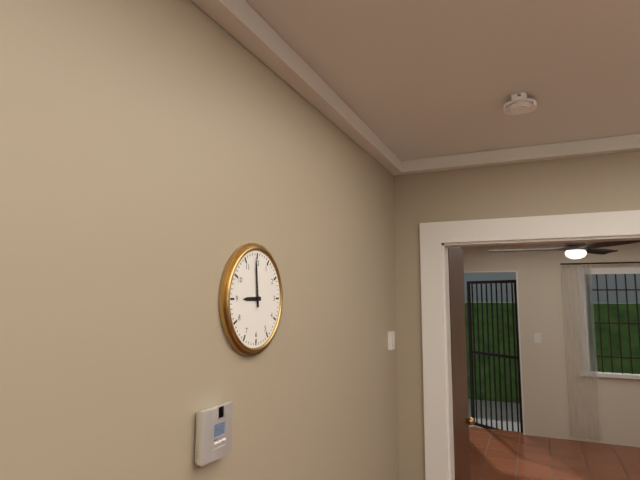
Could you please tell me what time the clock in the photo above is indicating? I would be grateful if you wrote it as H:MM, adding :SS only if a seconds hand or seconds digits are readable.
8:59
